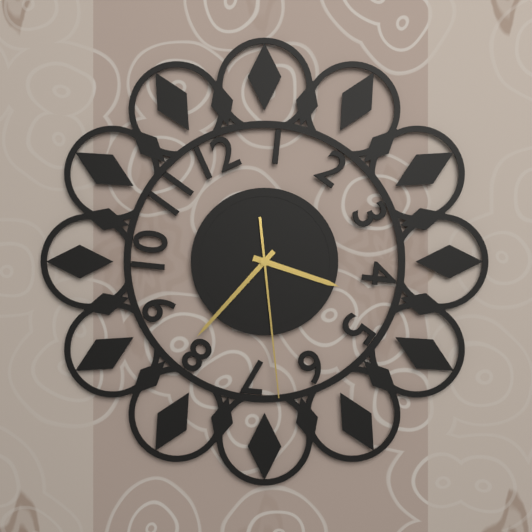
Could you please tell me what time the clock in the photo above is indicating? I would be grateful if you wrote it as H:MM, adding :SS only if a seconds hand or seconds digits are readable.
3:37:29
